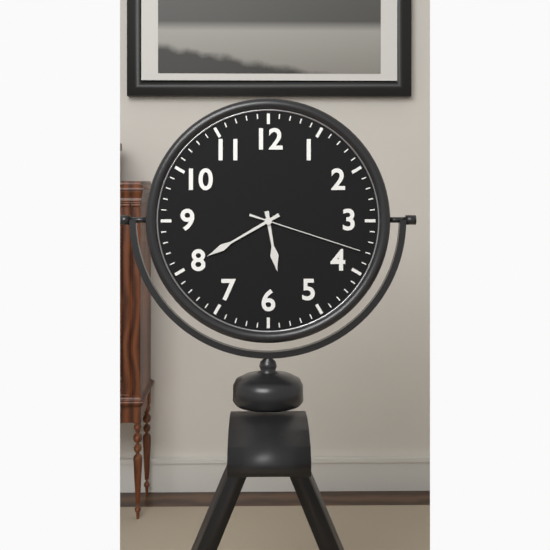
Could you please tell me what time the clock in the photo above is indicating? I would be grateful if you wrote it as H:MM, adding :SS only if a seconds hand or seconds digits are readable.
5:40:18
